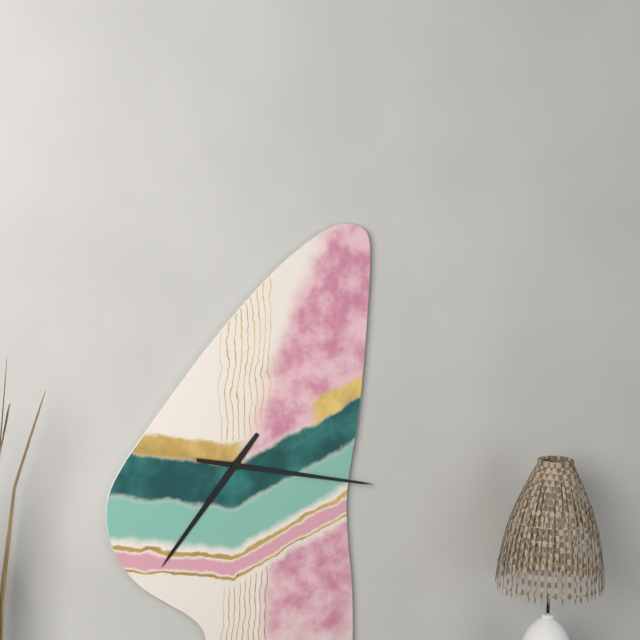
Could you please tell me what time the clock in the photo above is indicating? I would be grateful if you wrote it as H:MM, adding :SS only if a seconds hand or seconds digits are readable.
7:17
